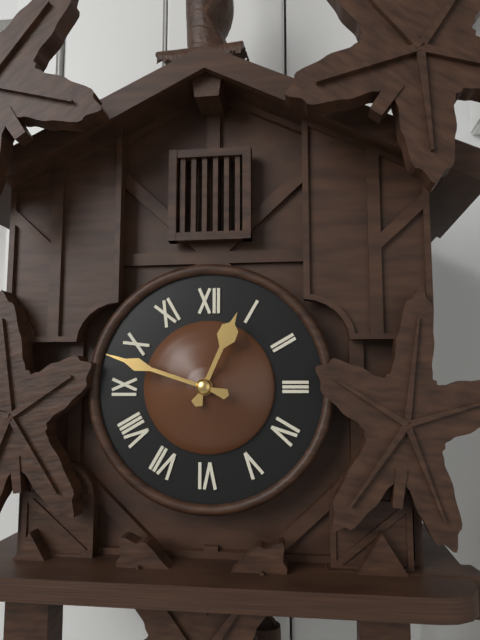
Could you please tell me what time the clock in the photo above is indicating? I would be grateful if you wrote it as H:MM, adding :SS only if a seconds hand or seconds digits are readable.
12:48
